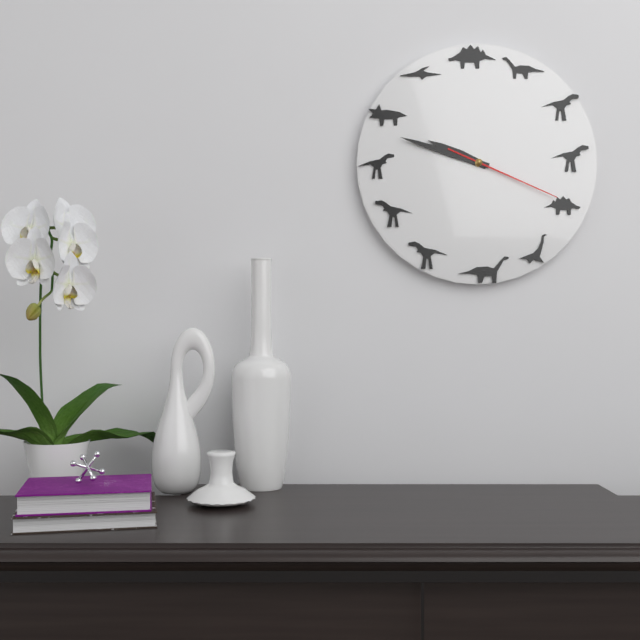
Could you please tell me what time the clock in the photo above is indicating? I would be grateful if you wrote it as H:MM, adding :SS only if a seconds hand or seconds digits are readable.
9:48:19
